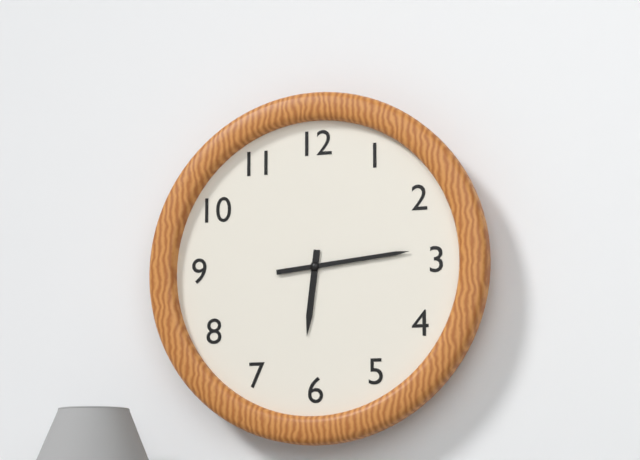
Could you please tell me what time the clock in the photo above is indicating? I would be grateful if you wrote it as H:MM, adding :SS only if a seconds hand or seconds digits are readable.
6:14
